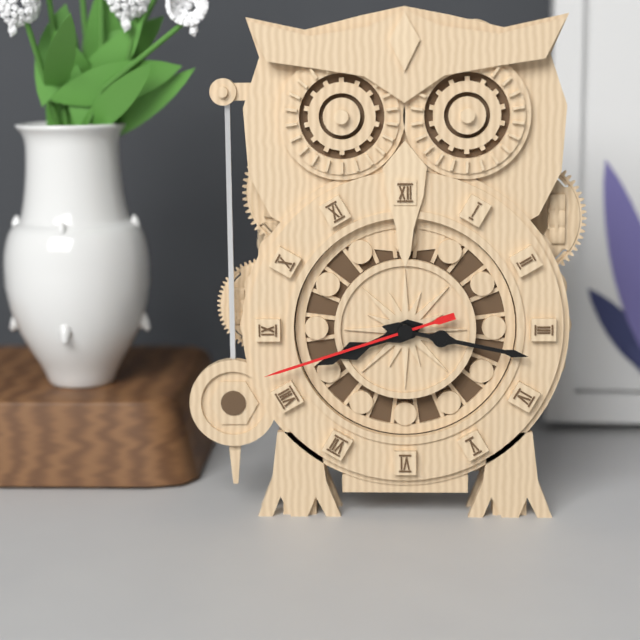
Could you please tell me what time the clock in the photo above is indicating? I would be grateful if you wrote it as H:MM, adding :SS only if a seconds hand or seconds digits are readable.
8:17:42
